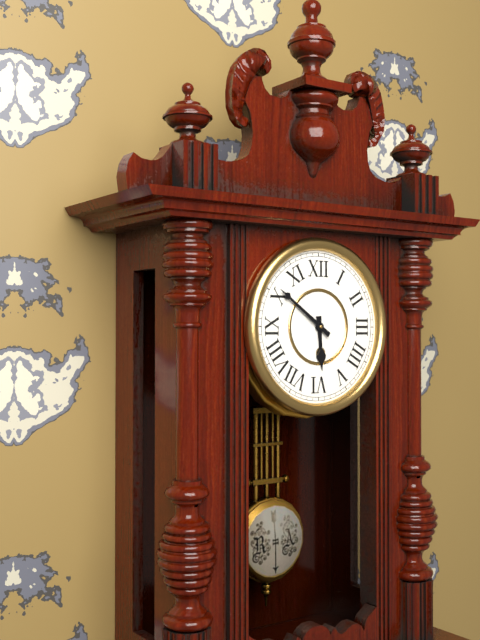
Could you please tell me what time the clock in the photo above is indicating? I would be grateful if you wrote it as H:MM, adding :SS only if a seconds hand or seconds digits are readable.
5:51
